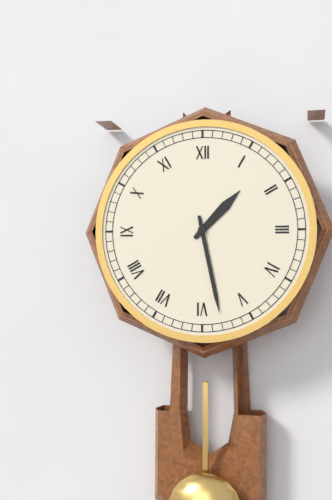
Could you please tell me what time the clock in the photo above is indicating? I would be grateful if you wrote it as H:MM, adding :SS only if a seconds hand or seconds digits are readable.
1:28
